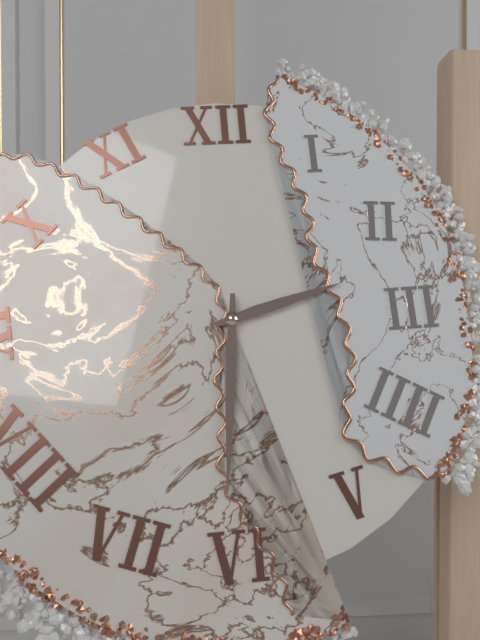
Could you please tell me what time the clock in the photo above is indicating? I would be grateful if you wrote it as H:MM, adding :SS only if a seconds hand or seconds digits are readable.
2:31
